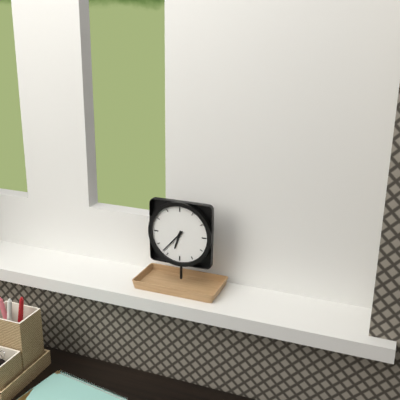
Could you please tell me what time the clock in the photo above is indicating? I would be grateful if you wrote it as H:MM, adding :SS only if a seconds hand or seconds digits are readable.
6:37
